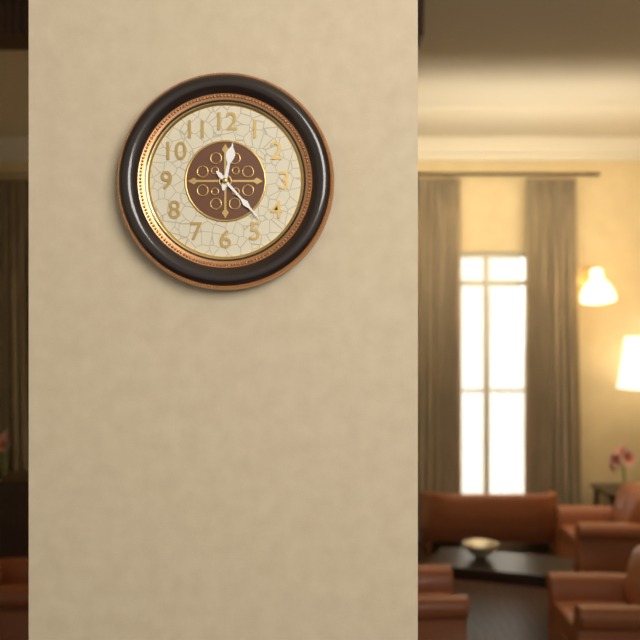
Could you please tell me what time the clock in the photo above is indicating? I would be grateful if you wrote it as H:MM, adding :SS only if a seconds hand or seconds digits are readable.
12:23
